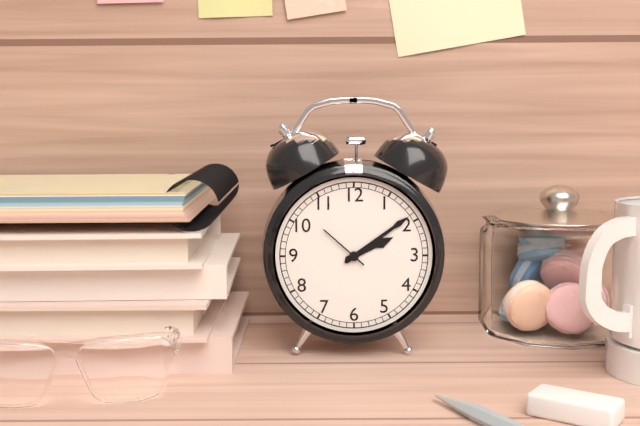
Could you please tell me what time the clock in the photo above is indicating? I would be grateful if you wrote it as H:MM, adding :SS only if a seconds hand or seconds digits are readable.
2:09:52
